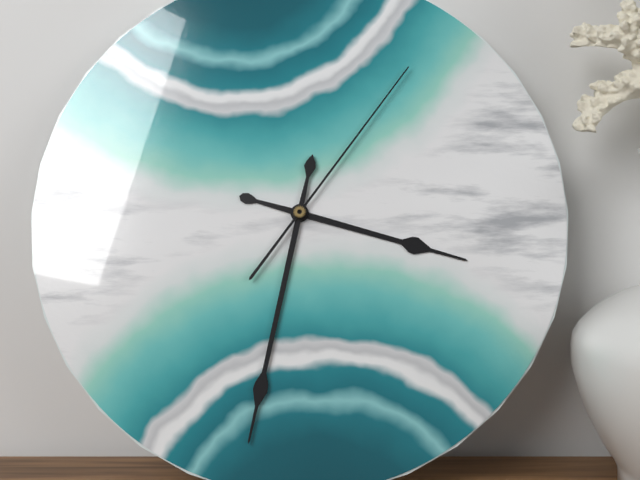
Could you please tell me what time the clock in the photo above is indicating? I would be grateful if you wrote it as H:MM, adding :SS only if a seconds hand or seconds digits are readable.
3:32:06
